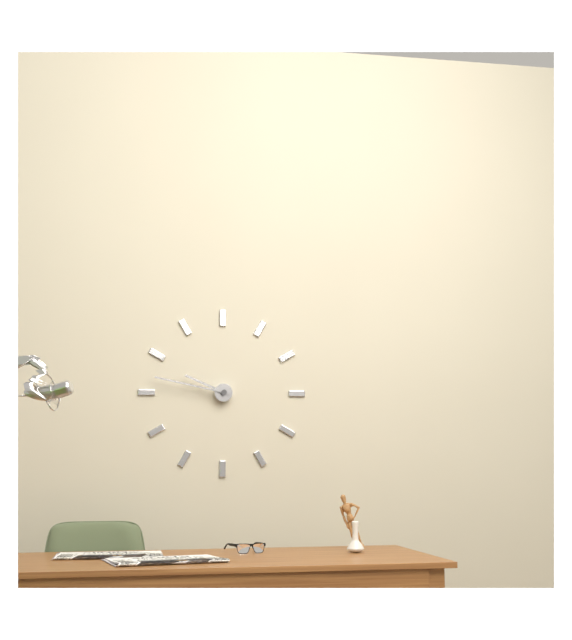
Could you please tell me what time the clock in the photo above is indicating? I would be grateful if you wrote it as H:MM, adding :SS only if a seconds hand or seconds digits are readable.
9:47
